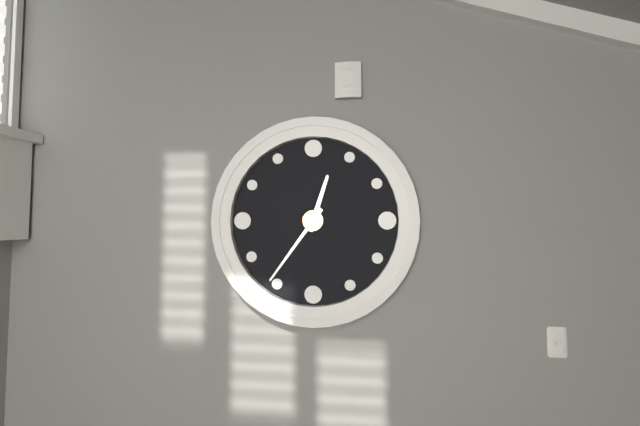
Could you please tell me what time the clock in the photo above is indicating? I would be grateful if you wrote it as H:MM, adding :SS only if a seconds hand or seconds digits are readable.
12:36
